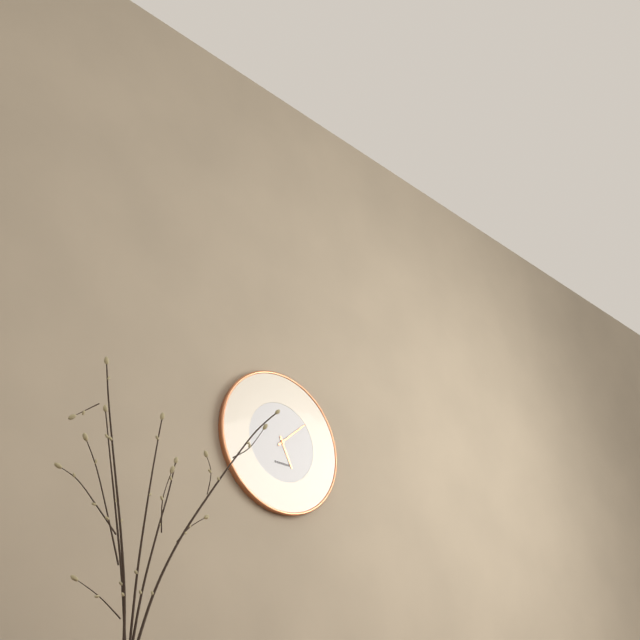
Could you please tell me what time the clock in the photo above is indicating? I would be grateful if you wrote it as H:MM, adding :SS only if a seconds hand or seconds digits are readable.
5:08
